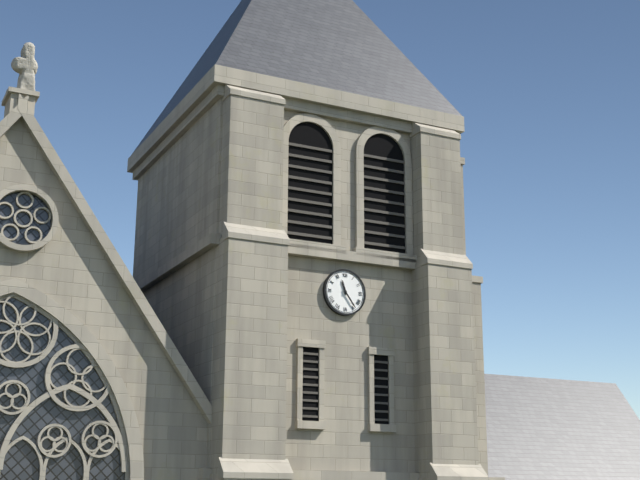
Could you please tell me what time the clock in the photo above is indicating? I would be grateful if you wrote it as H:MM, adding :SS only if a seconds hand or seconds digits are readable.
11:24
